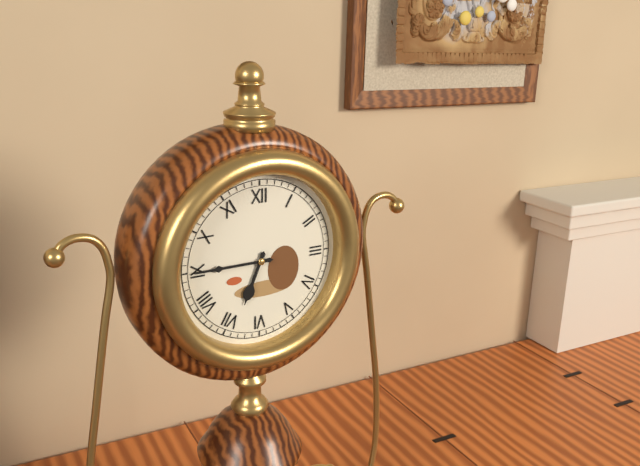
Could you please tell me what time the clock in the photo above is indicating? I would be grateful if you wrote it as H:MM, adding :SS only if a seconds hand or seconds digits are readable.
6:45
